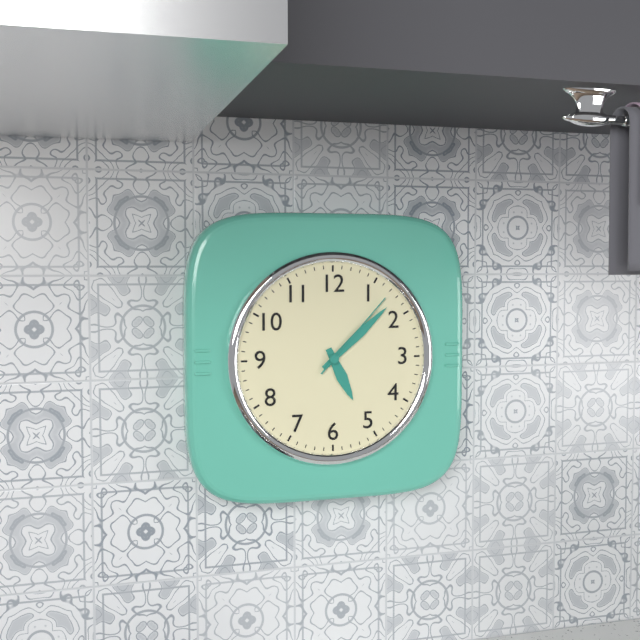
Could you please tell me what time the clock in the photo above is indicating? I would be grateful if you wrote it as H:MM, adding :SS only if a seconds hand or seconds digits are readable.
5:08:07
